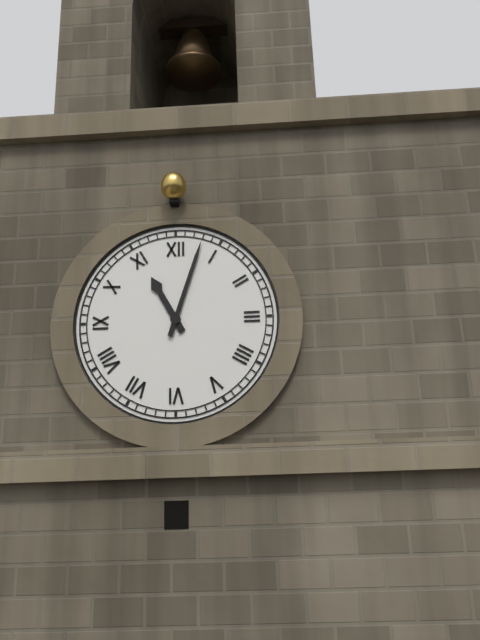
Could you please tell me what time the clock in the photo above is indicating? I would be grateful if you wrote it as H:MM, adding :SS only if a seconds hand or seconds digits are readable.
11:03
